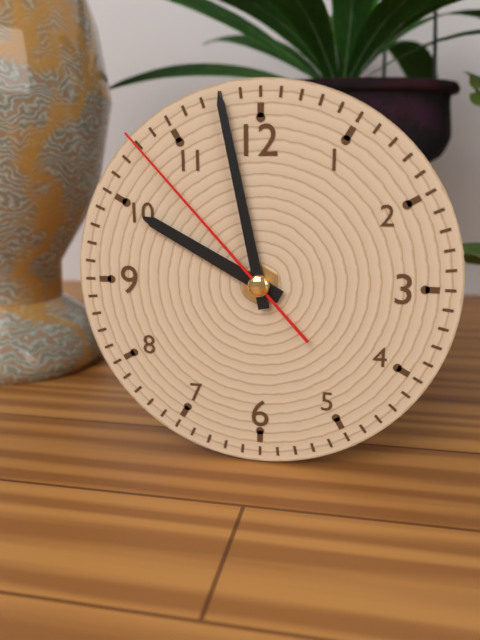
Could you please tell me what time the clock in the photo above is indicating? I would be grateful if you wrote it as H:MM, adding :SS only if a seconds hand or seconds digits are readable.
9:58:53
